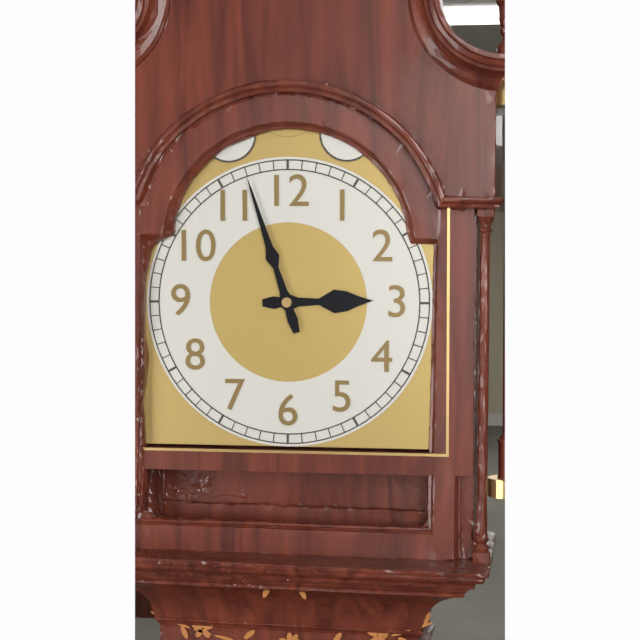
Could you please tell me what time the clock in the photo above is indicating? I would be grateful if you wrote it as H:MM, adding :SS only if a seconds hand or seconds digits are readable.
2:57
